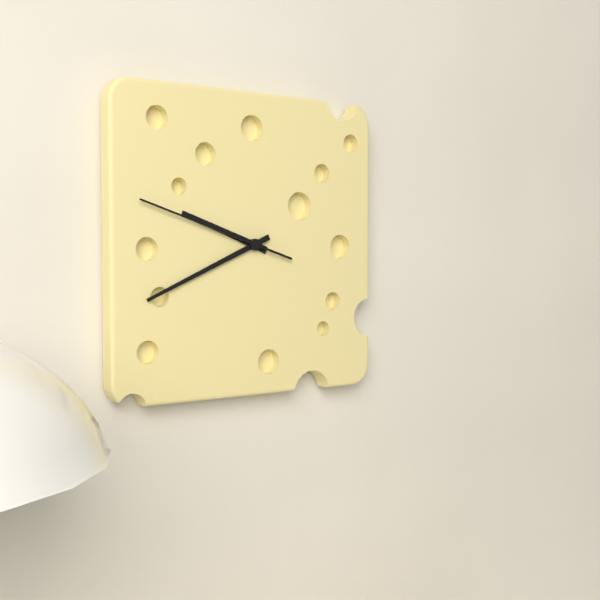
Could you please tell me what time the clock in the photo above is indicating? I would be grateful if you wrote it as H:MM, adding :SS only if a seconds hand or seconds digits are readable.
9:41:48
